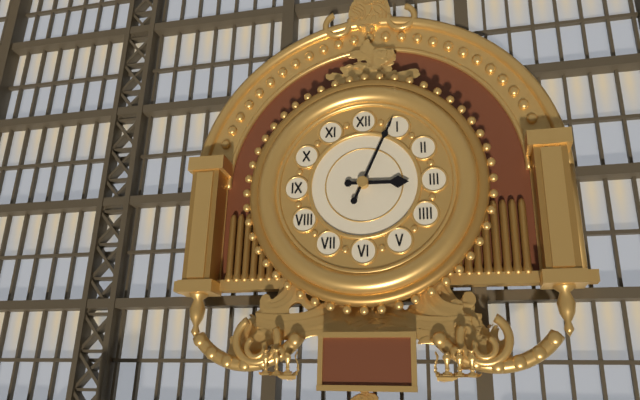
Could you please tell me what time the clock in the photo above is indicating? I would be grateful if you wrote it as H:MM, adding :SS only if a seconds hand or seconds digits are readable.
3:04
